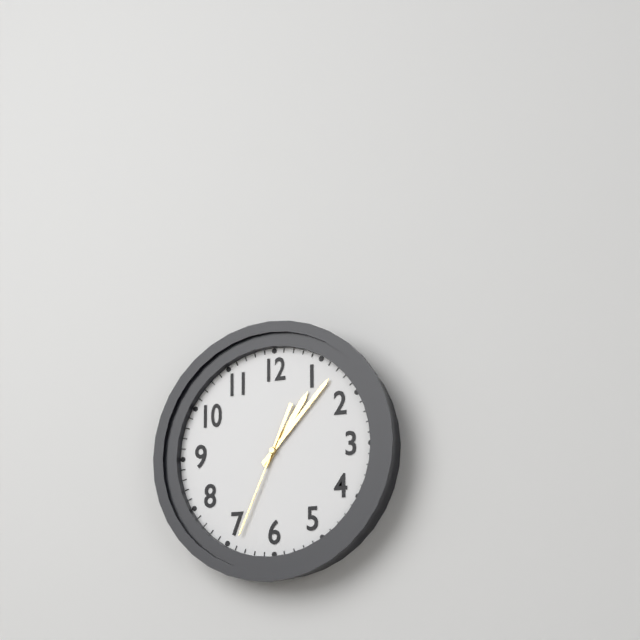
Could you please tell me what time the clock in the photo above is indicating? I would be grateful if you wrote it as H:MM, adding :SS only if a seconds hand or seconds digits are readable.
1:07:34
